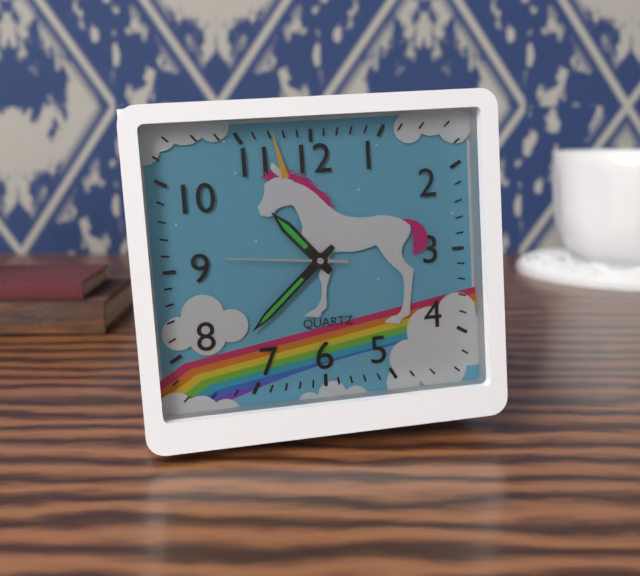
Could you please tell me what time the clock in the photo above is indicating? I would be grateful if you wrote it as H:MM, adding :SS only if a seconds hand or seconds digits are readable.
10:38:46
